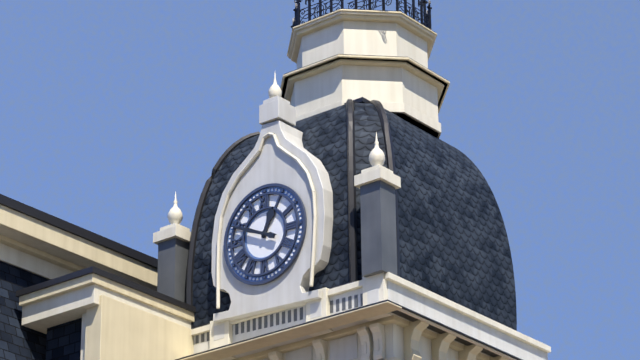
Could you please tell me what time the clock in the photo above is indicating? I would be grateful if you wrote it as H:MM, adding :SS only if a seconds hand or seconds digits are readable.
12:49
